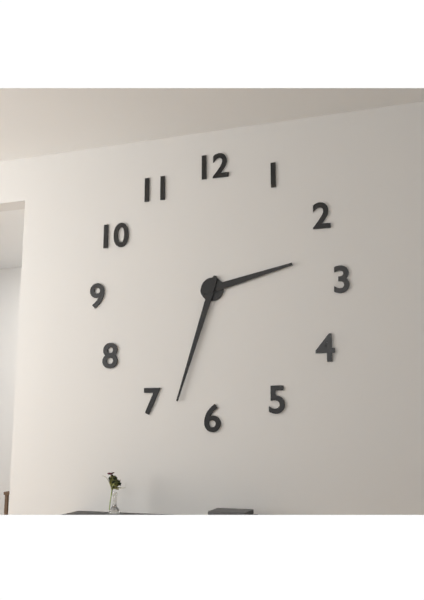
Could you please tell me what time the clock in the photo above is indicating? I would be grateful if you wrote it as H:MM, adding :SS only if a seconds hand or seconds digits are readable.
2:33
